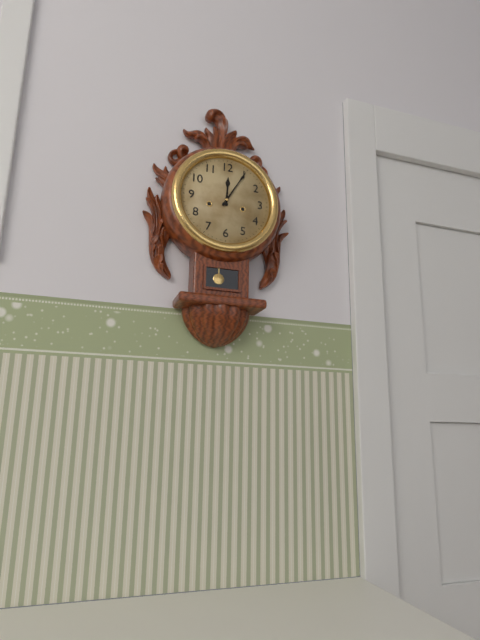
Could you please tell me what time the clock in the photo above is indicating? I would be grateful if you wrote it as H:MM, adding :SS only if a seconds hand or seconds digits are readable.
12:05
